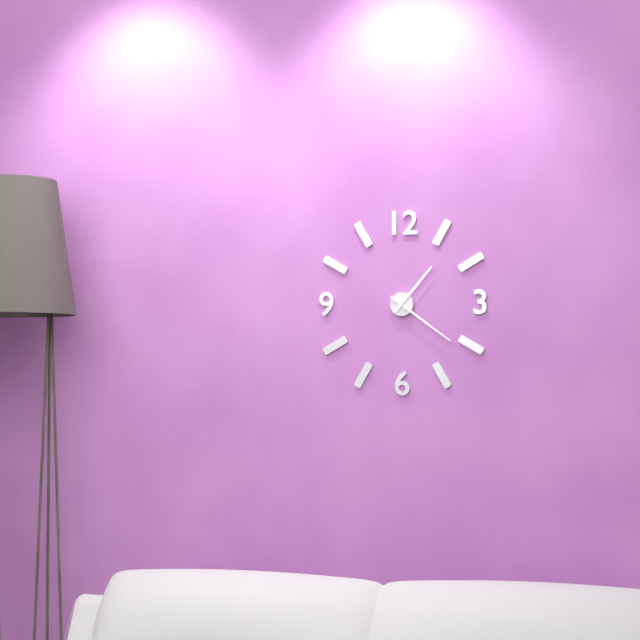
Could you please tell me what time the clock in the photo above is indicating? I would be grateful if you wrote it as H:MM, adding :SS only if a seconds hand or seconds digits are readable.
1:21
